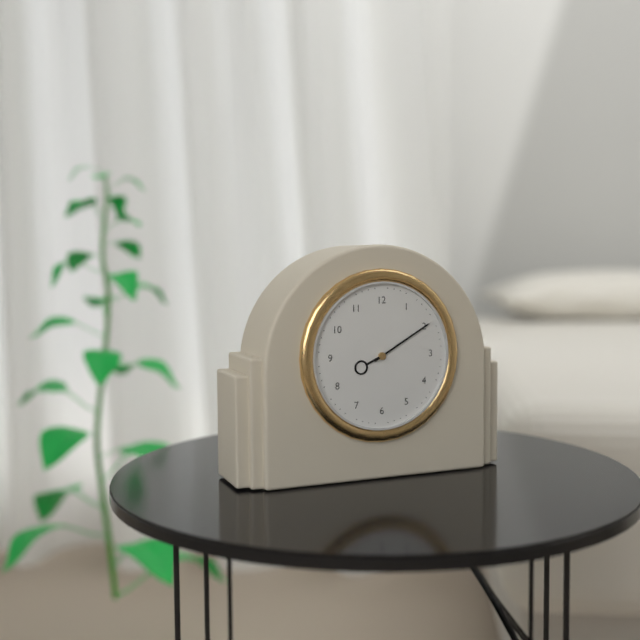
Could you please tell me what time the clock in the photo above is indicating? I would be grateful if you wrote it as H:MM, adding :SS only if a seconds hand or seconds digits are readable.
8:10
